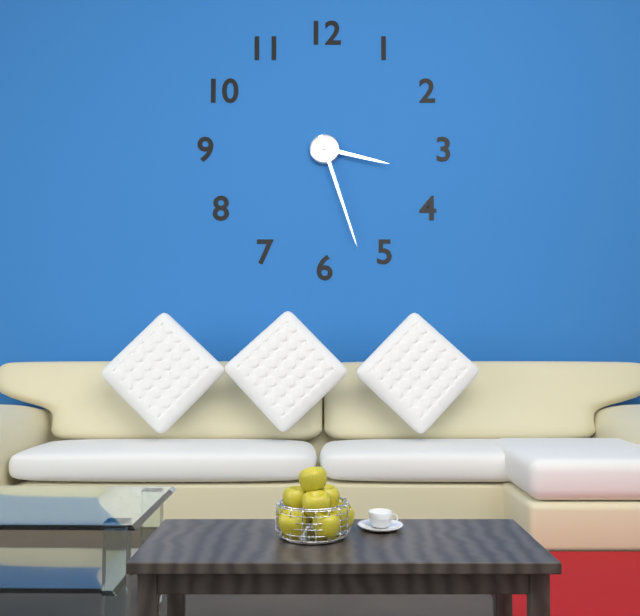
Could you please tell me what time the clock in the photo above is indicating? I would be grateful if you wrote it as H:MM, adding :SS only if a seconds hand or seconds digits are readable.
3:27
